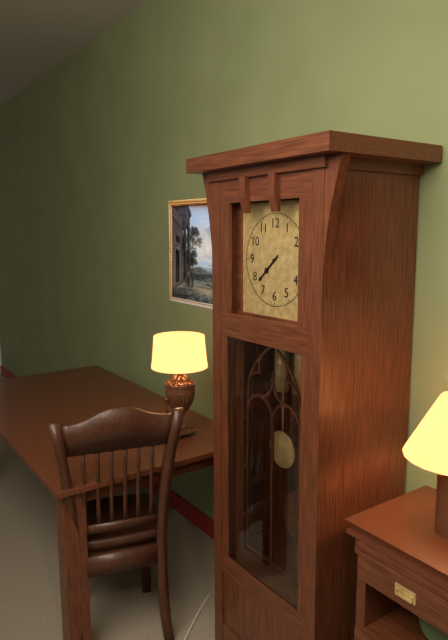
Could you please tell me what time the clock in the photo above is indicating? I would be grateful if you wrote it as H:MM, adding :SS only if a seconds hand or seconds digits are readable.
7:38
